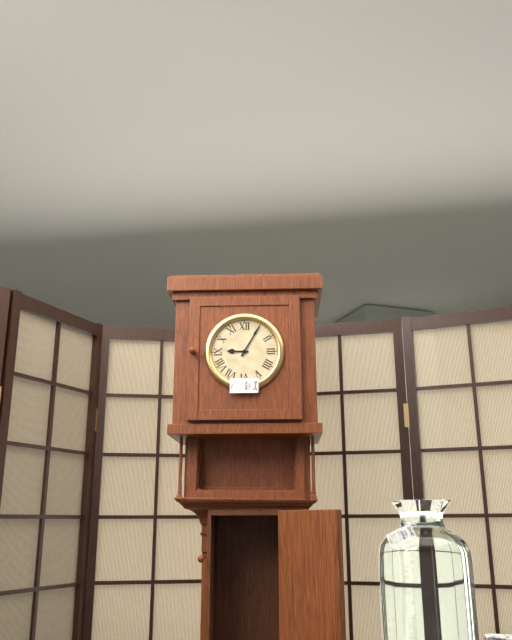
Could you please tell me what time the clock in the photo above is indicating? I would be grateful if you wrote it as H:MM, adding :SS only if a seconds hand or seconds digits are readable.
9:05
